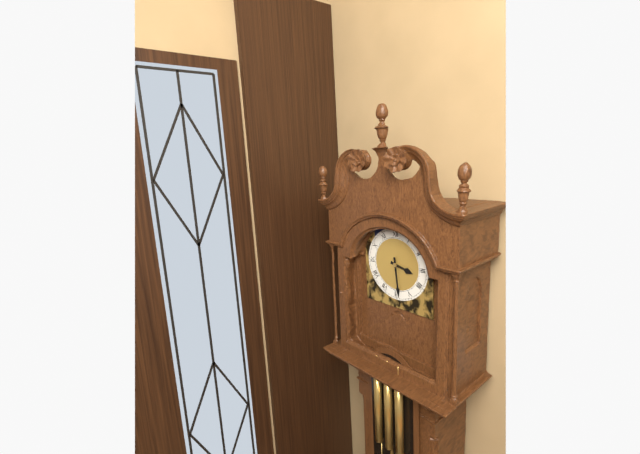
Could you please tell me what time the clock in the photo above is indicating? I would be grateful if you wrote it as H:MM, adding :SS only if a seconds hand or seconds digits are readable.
3:29
